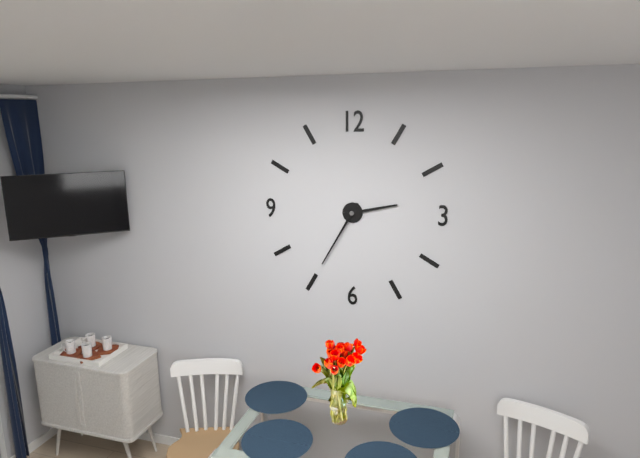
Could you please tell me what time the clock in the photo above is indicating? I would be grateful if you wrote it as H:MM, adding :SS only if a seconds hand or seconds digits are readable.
2:35
